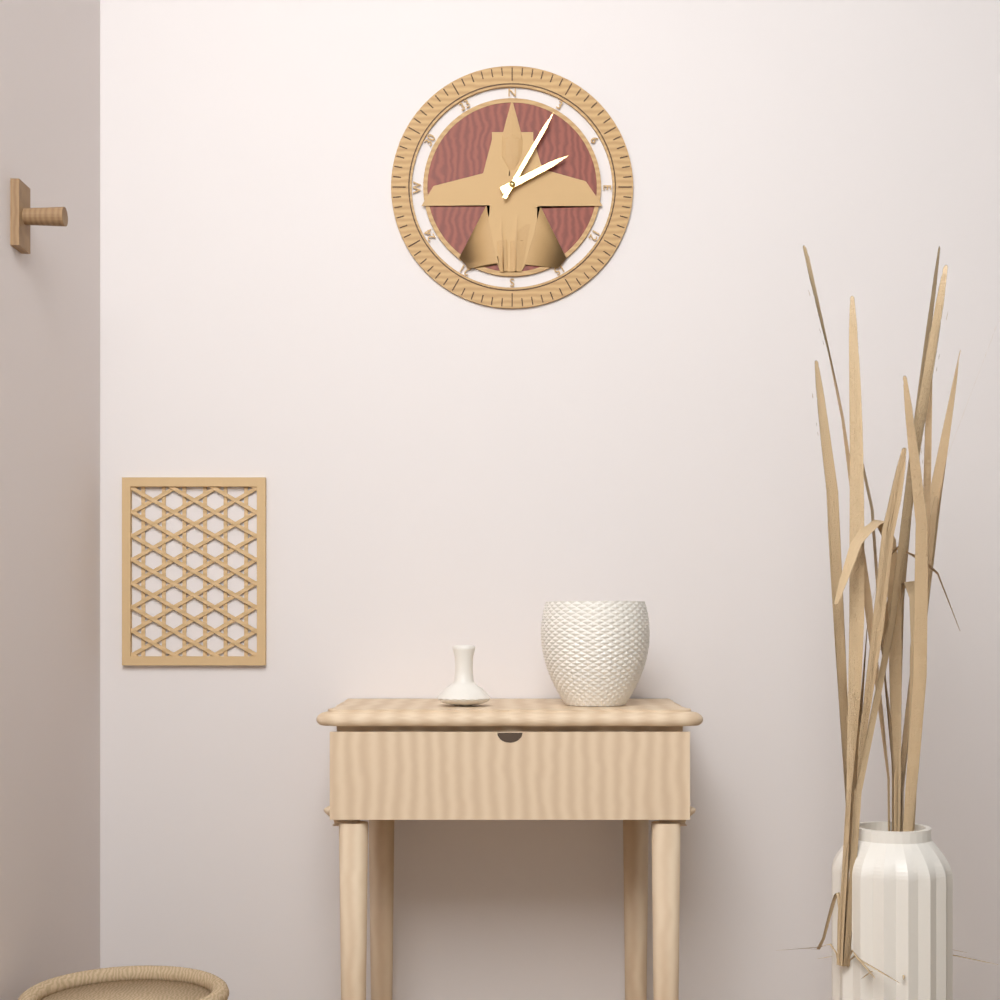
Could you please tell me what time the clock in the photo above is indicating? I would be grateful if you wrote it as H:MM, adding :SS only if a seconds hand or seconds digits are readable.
2:05
